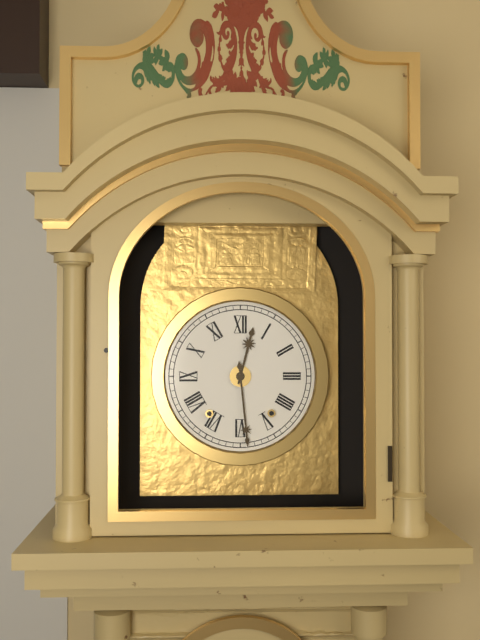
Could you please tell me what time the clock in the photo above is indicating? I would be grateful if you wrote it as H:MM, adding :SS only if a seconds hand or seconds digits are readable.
12:29
